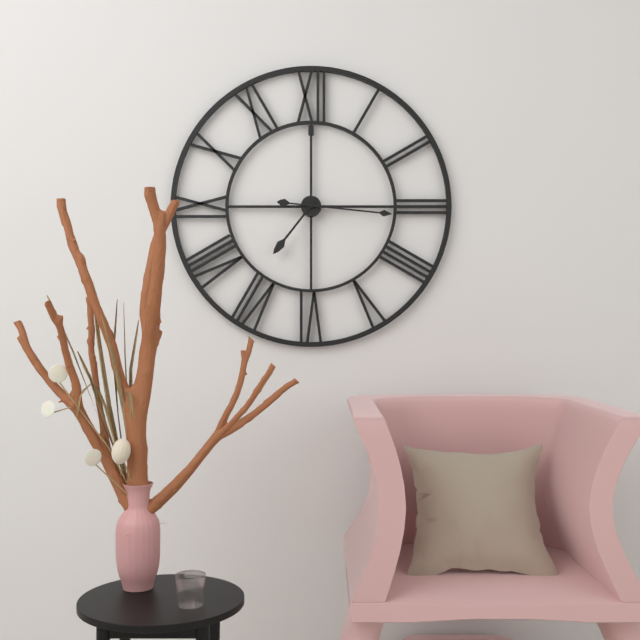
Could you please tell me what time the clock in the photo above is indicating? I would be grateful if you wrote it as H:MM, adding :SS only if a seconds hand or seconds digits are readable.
7:16
